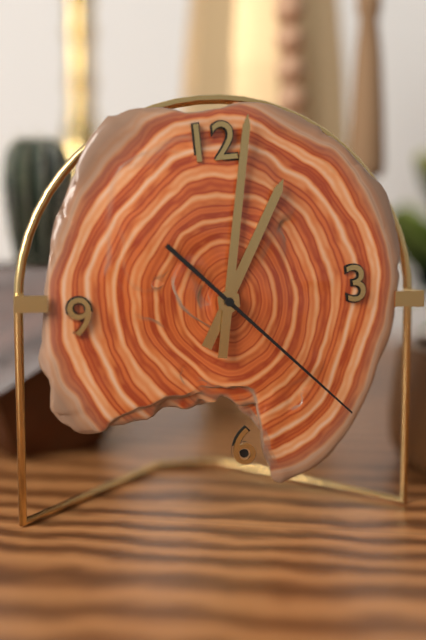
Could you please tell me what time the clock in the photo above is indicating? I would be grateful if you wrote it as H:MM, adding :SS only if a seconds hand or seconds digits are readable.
1:02:23
